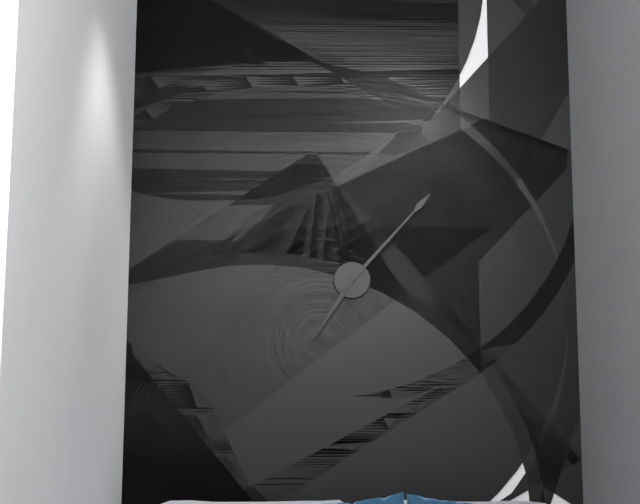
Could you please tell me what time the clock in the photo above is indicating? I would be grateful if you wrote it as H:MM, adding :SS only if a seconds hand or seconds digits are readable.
7:07
